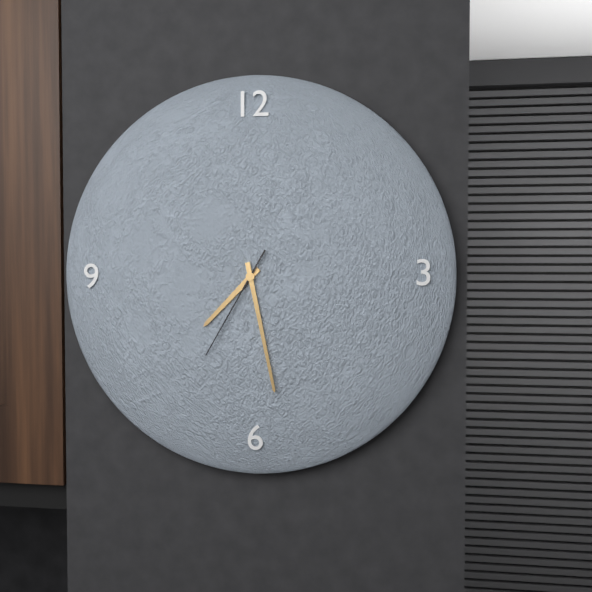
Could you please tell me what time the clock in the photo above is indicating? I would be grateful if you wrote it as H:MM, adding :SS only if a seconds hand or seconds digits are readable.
7:28:35
